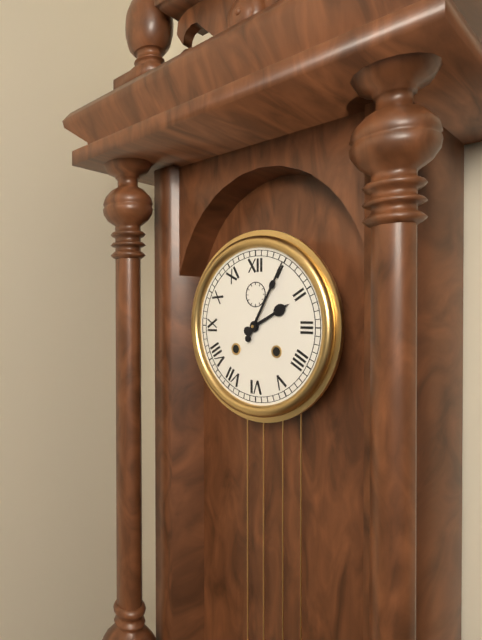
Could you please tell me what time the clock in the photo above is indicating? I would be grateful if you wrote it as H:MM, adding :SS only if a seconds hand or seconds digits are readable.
2:05
